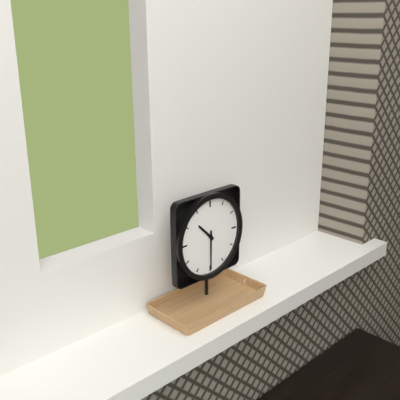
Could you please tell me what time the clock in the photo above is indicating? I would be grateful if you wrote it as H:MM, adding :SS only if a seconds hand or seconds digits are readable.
10:30
